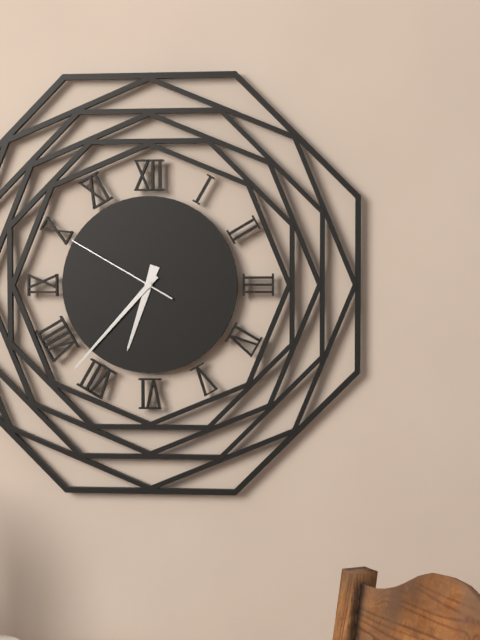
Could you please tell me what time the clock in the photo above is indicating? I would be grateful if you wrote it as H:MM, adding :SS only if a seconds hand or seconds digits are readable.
6:37:50
